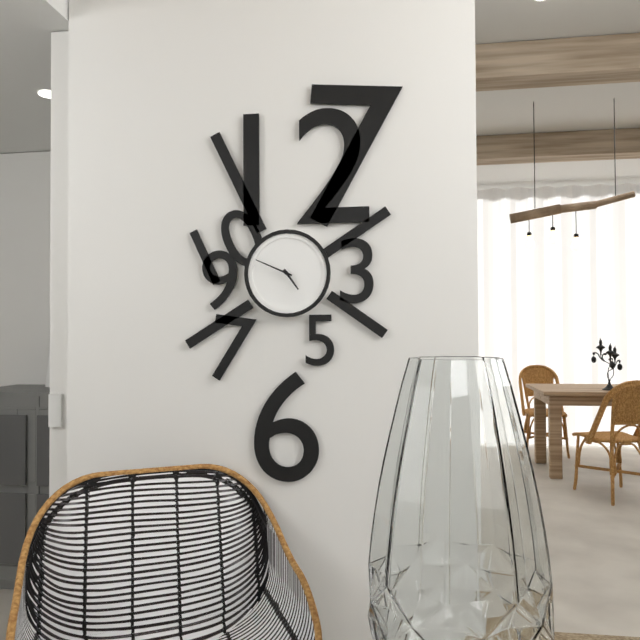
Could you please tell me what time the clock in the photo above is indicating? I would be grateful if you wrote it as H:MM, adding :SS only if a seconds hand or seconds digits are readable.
4:49
